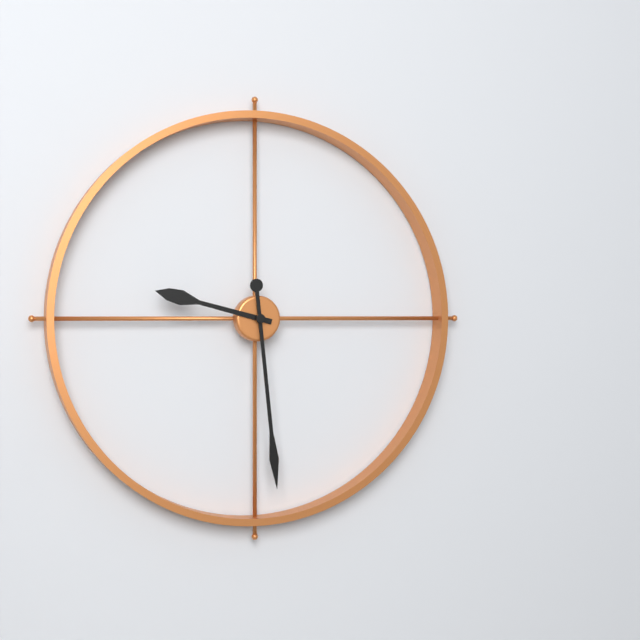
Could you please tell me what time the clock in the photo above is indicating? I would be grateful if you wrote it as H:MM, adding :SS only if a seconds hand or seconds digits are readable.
9:29
